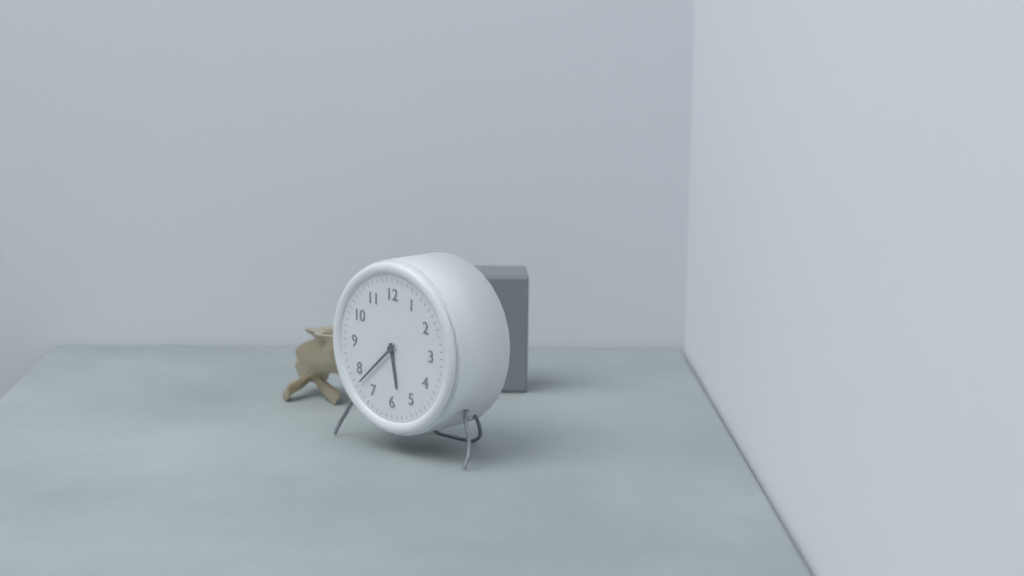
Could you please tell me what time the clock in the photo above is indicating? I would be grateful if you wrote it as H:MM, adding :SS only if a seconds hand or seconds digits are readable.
5:38
